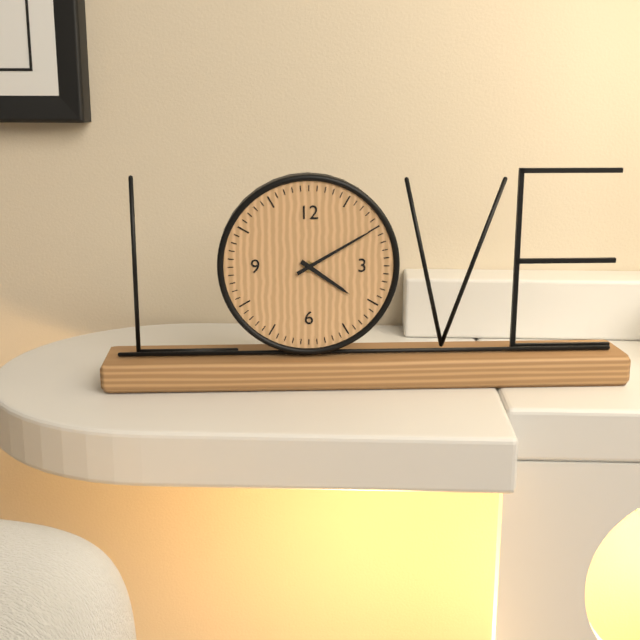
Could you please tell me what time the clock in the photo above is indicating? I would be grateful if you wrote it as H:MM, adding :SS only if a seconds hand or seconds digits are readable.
4:10
